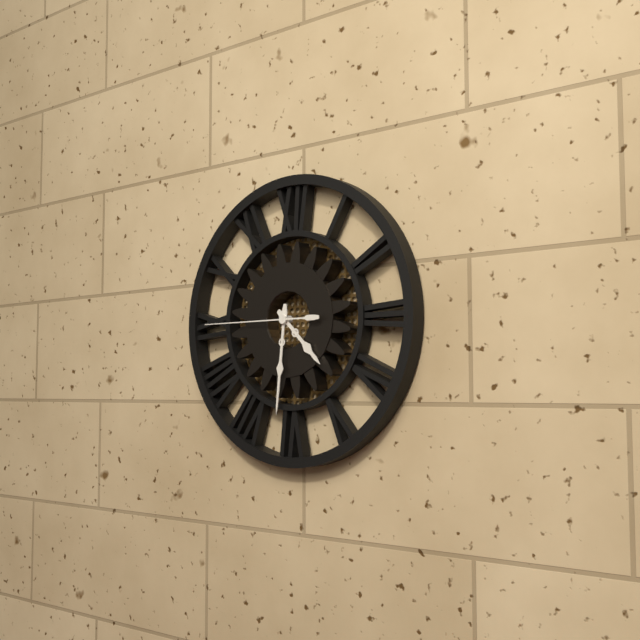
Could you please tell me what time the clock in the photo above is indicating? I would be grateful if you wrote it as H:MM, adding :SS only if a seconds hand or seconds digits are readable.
4:31:45
